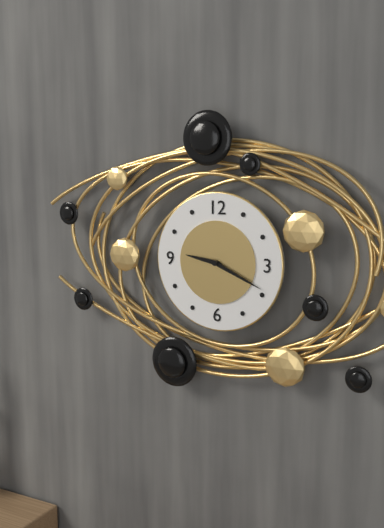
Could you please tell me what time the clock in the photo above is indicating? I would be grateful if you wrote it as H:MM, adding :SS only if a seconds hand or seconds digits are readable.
9:19
